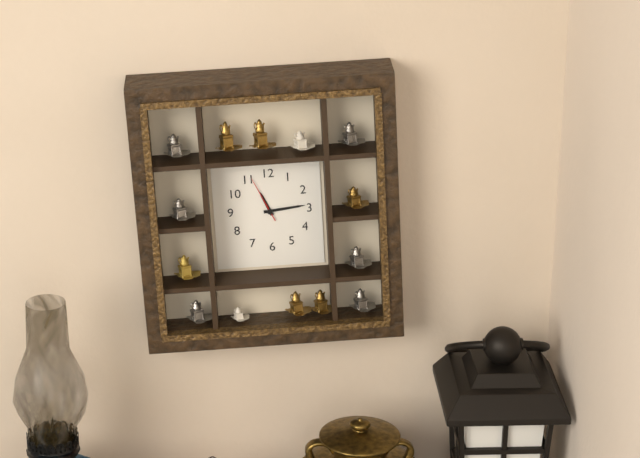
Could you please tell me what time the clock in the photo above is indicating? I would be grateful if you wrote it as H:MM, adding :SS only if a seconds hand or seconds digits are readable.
11:14
